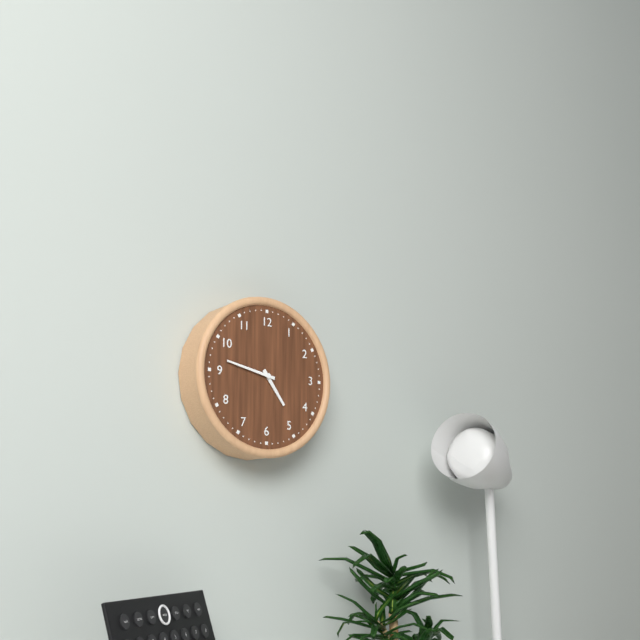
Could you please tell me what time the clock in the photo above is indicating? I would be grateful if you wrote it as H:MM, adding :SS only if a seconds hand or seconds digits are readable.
4:47
